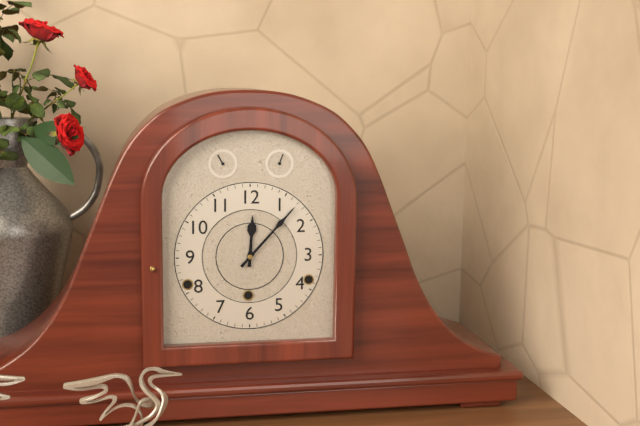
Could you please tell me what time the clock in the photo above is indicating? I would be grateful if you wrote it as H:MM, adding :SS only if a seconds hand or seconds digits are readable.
12:07
